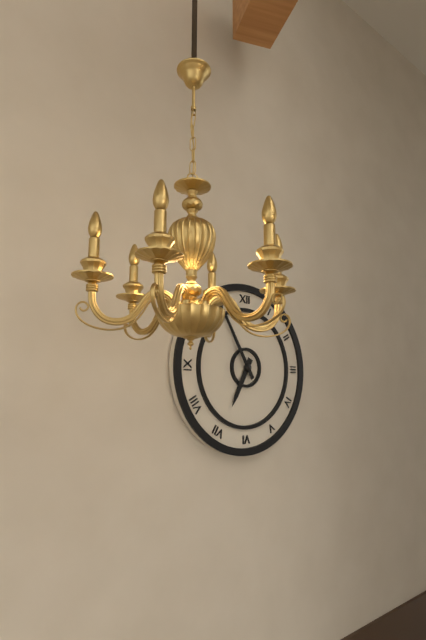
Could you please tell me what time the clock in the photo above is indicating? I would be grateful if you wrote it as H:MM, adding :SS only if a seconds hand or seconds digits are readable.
6:55
